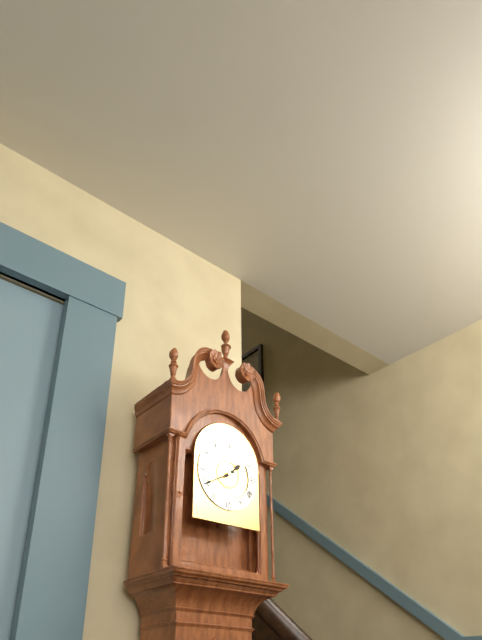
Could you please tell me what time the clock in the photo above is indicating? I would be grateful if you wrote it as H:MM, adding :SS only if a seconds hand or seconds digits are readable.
1:40
